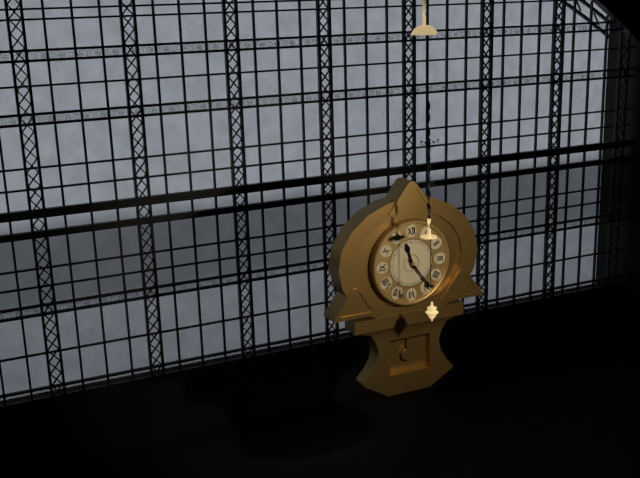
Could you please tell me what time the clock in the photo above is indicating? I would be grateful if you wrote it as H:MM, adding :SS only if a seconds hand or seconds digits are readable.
11:24
